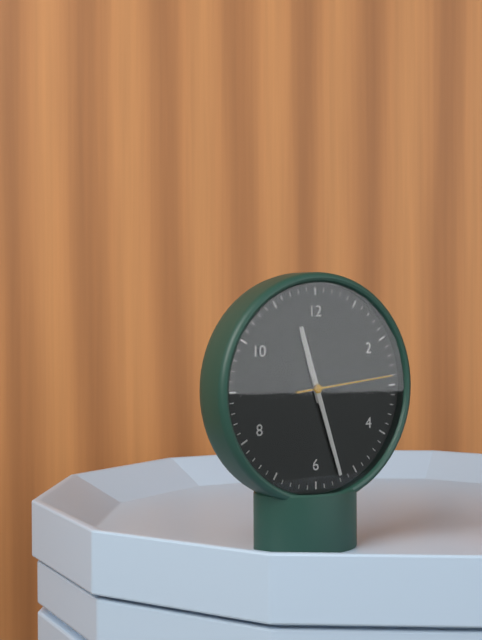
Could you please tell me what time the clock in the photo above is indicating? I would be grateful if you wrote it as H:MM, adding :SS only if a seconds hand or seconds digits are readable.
11:27:14
